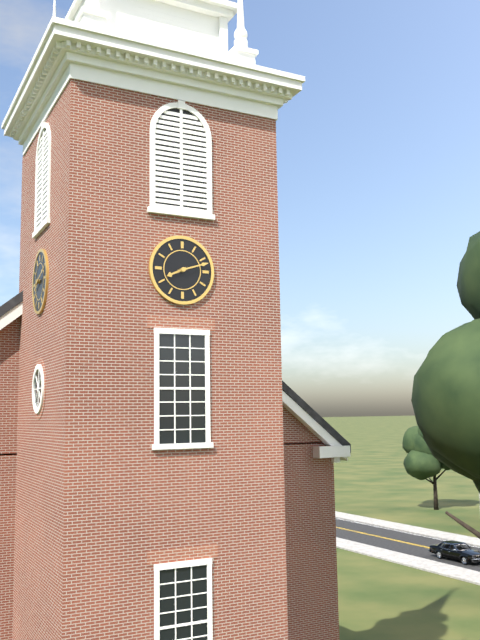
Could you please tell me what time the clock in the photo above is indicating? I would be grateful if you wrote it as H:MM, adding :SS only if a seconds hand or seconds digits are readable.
8:12
